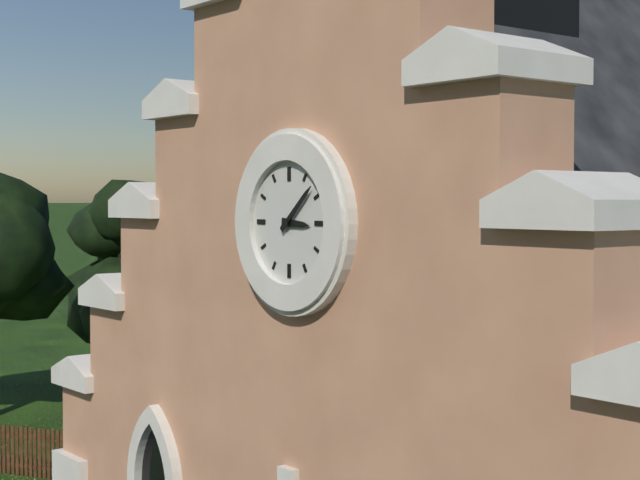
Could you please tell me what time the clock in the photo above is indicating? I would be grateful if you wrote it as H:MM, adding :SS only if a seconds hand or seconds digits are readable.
3:08
